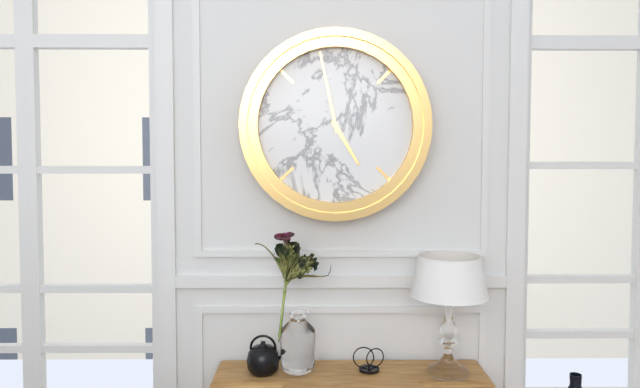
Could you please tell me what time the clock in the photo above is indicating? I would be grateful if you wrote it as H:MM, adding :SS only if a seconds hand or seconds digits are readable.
4:58
